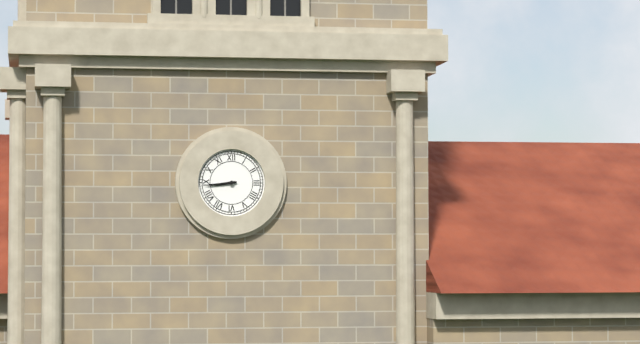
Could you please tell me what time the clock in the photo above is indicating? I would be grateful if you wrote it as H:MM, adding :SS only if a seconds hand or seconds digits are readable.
8:44
